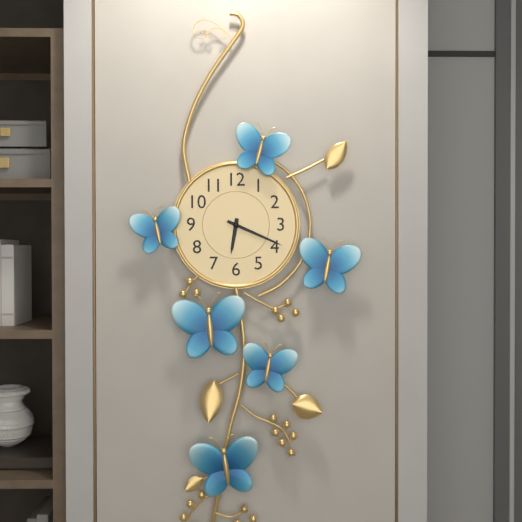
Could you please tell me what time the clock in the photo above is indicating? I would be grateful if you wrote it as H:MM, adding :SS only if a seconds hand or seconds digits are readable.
6:19
